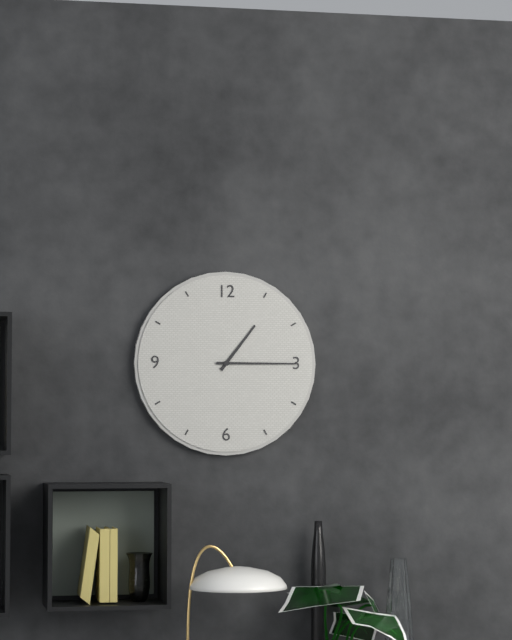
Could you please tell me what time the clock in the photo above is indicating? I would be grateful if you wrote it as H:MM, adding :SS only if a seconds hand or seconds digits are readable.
1:15
